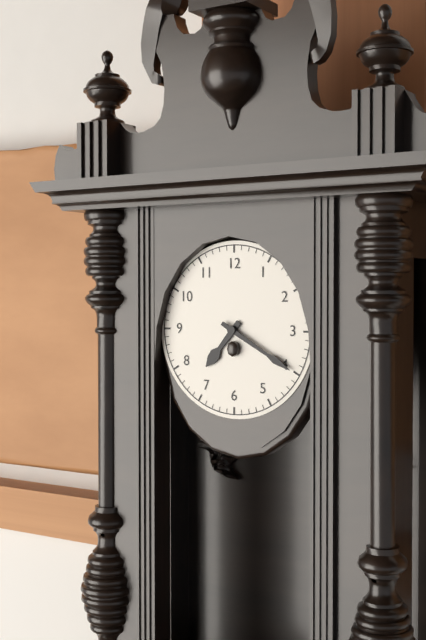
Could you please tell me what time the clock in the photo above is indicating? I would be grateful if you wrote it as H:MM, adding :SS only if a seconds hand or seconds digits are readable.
7:20
